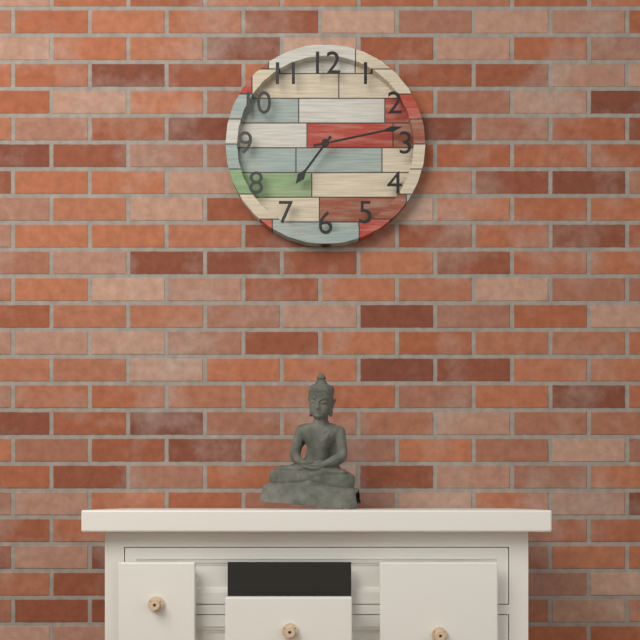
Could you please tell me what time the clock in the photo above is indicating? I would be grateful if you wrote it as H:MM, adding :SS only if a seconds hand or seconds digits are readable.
7:13
